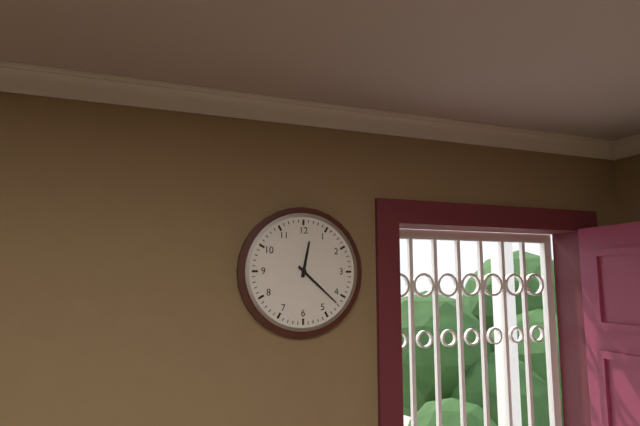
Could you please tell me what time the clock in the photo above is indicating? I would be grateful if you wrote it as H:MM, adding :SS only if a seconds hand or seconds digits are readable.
12:22
